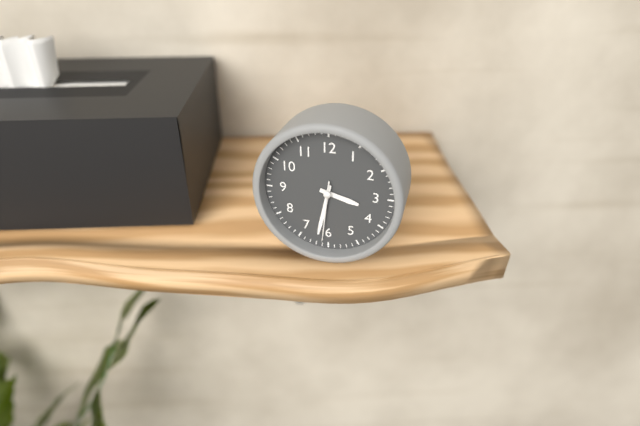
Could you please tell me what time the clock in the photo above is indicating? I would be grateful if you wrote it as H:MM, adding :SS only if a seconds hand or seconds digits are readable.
3:32:31
